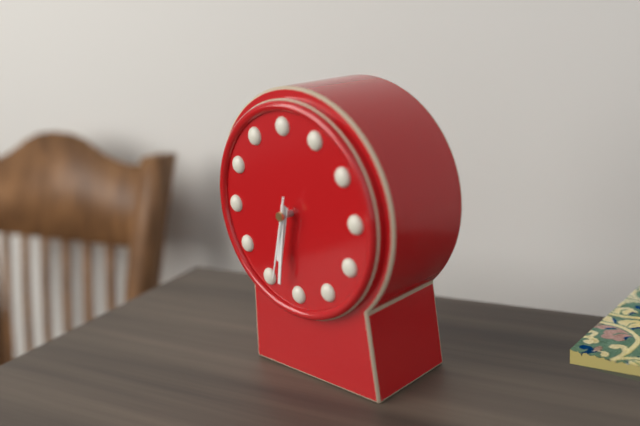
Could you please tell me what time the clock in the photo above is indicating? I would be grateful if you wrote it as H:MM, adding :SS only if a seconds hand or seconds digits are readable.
6:32:33
